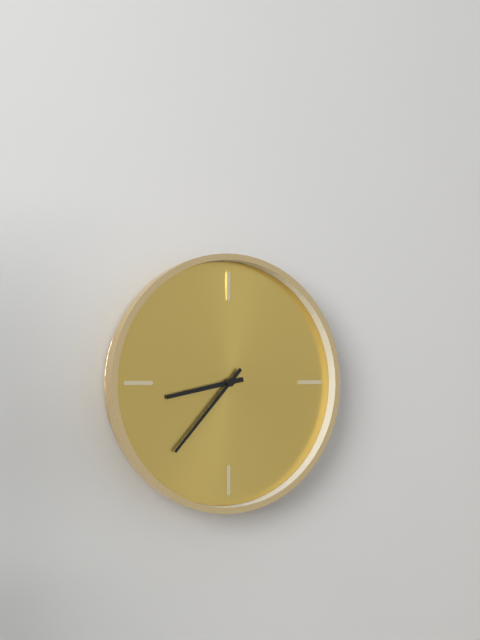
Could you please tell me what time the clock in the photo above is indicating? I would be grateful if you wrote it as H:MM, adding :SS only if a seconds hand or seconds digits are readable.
8:37
